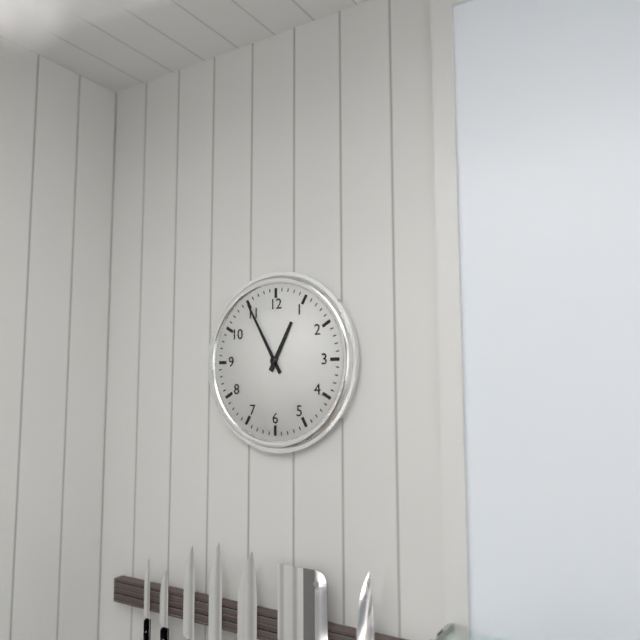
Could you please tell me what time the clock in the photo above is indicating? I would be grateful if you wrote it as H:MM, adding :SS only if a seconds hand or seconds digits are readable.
12:55
